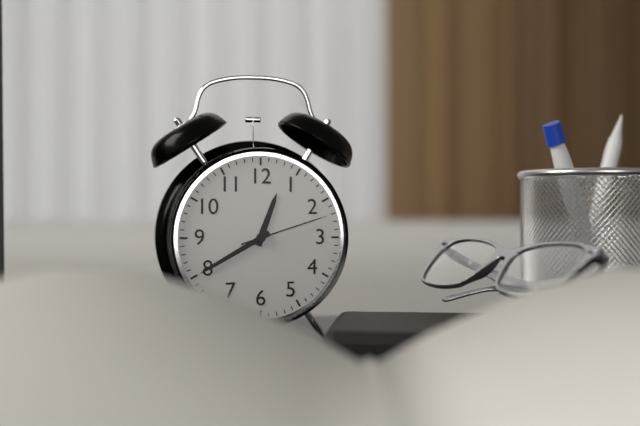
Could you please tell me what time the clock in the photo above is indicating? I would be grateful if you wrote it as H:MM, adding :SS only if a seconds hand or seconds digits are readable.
12:40:12
